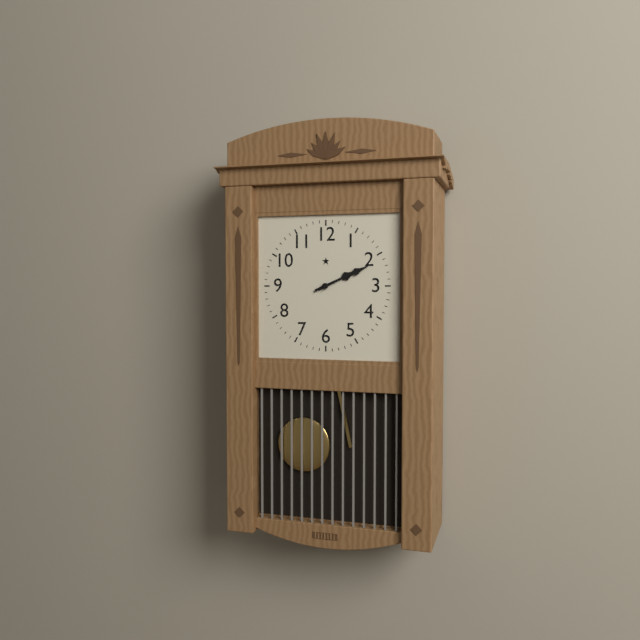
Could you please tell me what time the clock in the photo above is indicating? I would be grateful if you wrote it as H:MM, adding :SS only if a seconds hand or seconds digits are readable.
2:11
